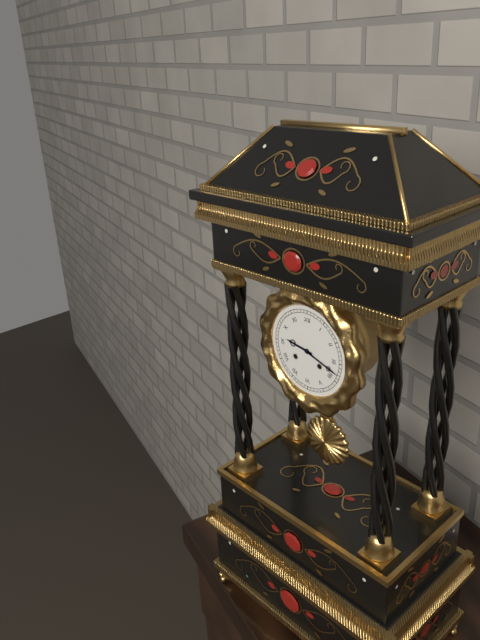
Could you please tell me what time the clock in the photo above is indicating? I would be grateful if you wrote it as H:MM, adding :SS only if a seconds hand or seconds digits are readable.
9:18
